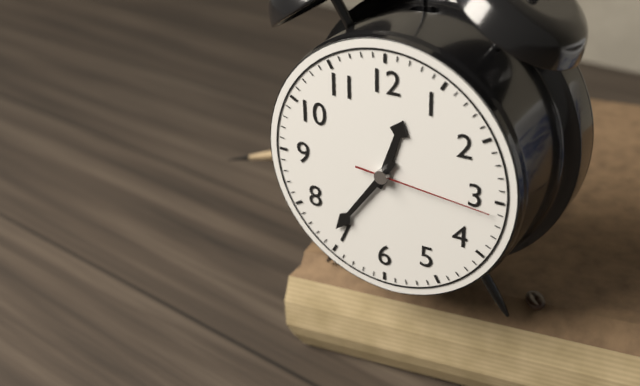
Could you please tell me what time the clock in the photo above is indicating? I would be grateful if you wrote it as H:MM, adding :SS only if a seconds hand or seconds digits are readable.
12:36:16
